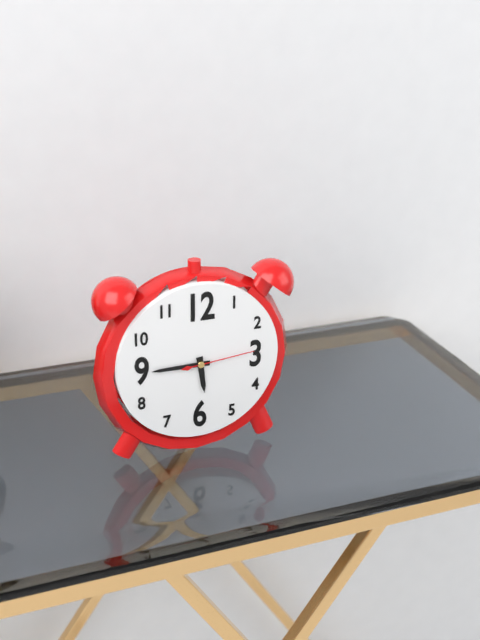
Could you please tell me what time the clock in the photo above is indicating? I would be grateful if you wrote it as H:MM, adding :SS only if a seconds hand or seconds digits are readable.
5:45:14
